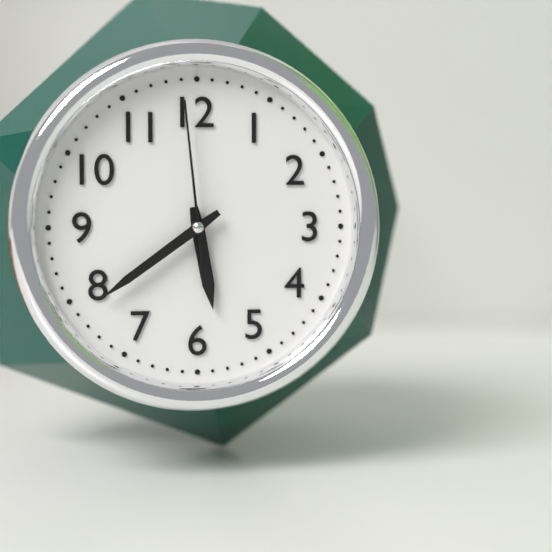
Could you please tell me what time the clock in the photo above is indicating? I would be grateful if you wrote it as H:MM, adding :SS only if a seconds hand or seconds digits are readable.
5:39:59
